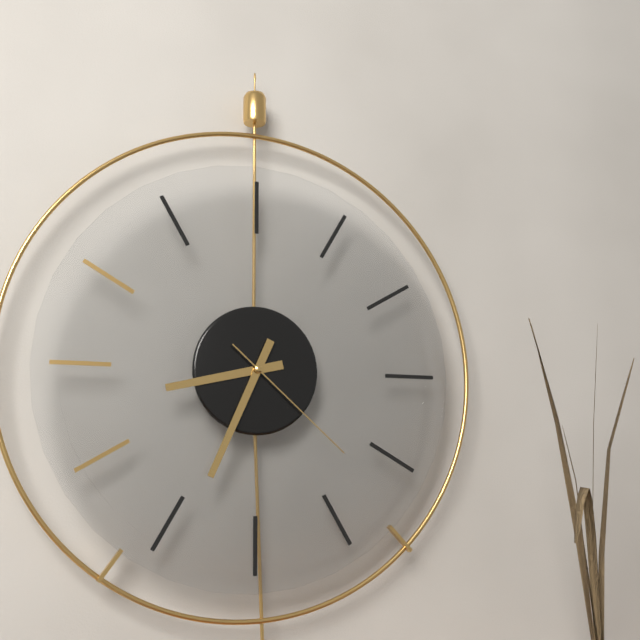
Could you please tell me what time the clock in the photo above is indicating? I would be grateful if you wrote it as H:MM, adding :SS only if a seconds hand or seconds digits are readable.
8:34:22
